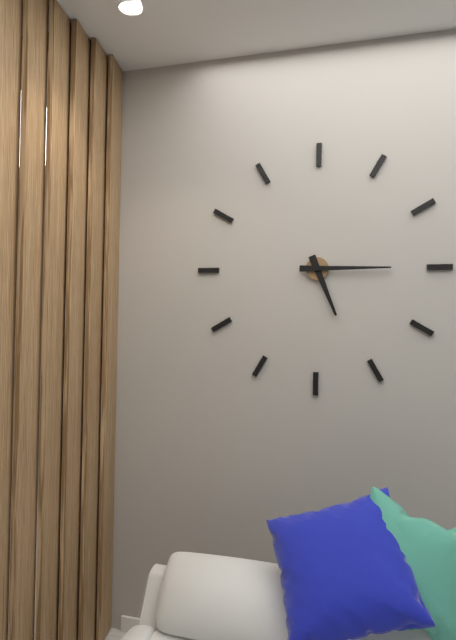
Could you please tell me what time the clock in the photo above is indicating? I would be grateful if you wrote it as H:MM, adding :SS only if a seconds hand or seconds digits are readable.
5:15
